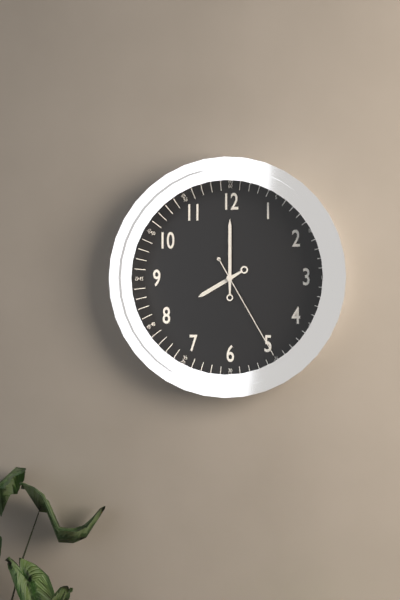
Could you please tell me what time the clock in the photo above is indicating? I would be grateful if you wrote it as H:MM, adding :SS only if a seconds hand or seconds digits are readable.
8:00:25
